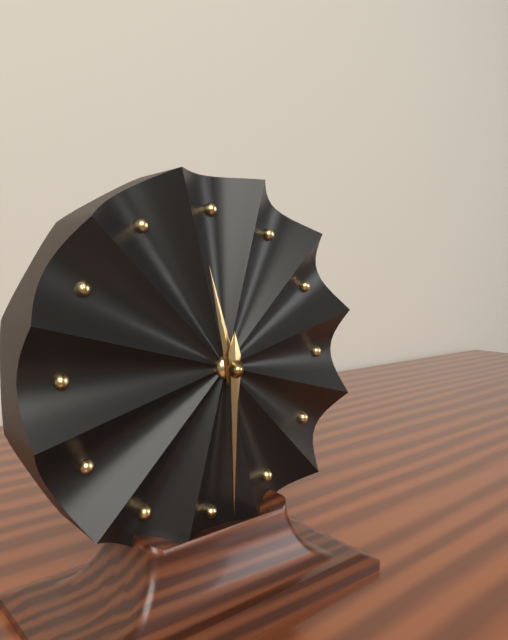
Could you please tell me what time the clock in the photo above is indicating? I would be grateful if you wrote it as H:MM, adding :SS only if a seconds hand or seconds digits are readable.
11:30
